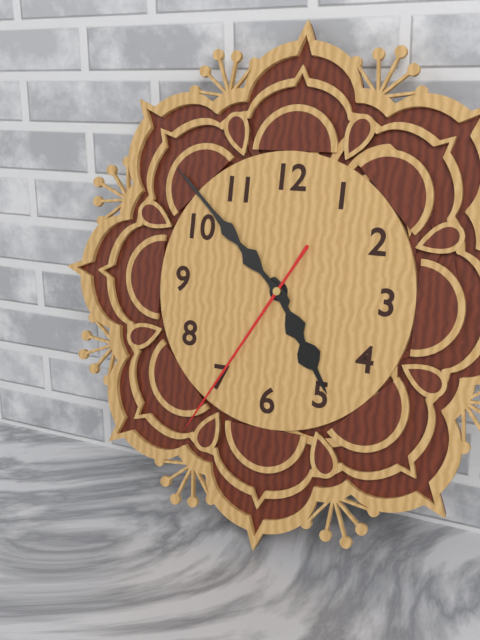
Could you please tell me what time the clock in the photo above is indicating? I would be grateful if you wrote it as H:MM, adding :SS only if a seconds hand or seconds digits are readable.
4:52:35
